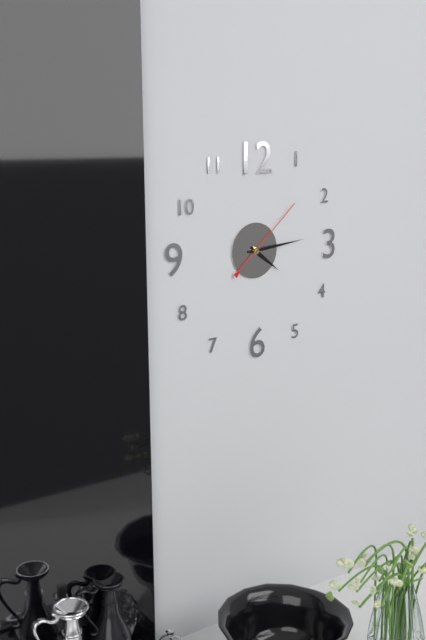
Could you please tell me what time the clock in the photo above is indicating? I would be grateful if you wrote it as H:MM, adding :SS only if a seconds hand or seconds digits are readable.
4:14:08
